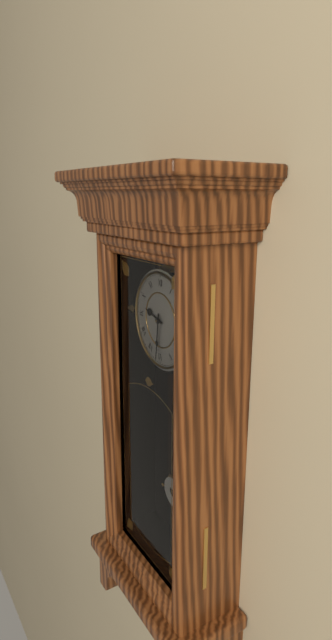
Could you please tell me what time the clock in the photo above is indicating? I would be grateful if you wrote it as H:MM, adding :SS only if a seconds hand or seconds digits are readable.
9:31
